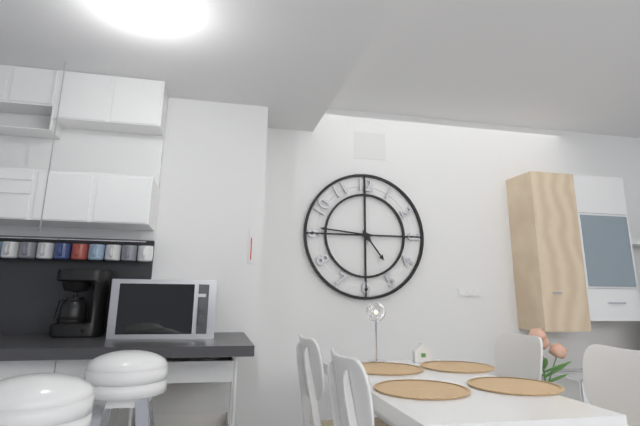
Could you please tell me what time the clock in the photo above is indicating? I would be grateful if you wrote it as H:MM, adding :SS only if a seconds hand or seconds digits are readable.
4:46
